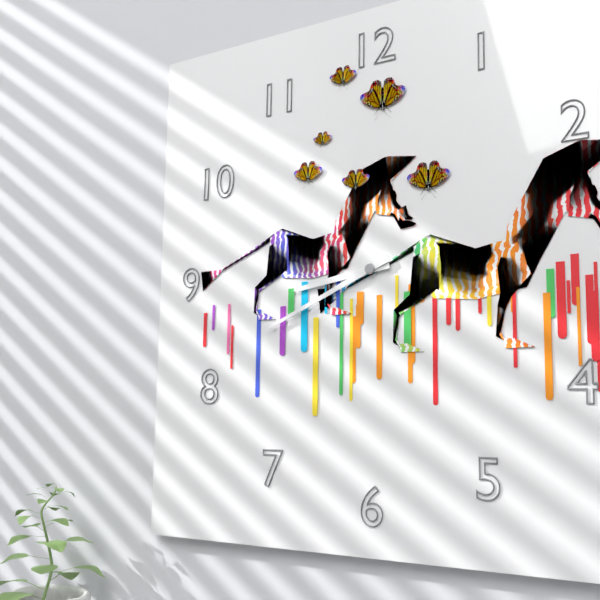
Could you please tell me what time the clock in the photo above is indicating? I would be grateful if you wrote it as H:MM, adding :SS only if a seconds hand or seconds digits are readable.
8:41
